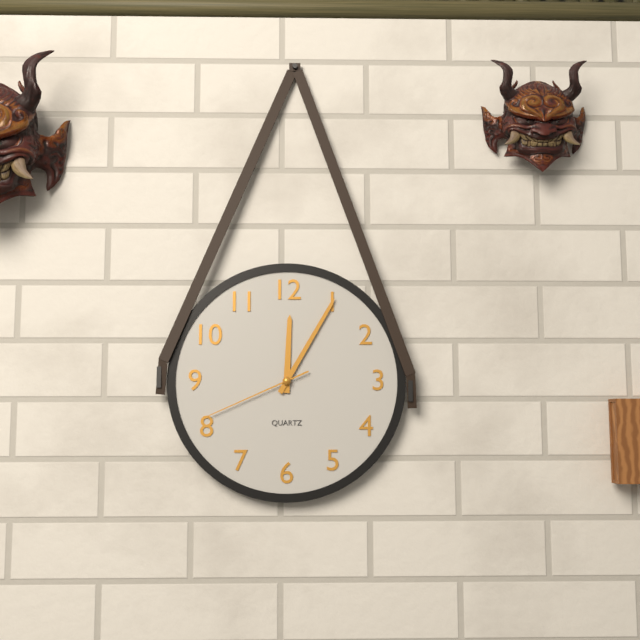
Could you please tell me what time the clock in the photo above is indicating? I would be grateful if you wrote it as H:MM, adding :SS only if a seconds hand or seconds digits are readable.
12:05:41
